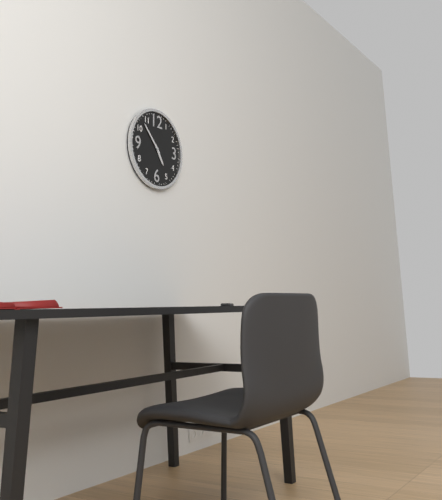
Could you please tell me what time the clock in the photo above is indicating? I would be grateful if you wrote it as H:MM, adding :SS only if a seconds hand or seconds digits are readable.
4:53
